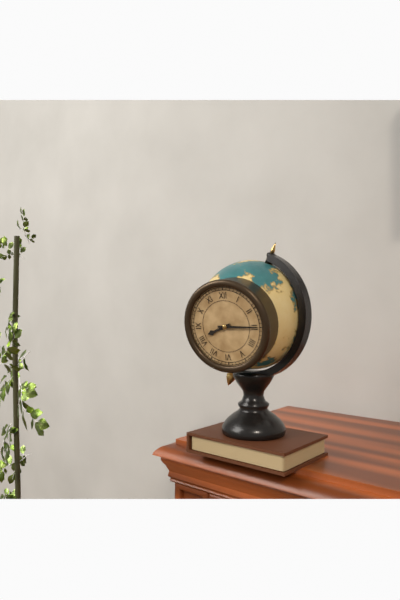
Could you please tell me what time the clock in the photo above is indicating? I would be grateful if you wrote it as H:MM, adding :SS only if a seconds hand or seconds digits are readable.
8:15
